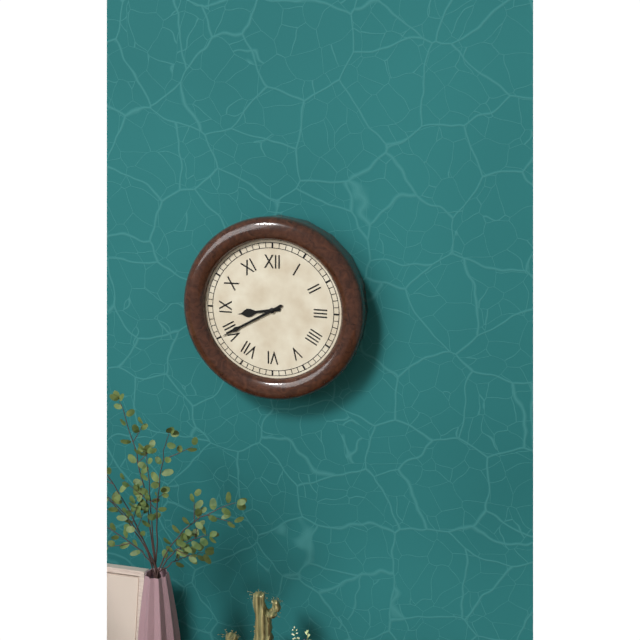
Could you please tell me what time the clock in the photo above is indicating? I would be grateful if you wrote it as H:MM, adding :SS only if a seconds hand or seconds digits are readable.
8:40
